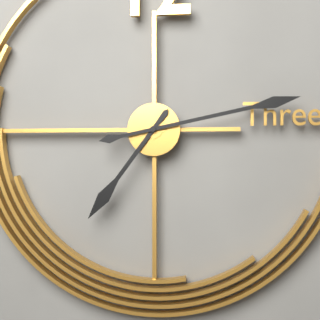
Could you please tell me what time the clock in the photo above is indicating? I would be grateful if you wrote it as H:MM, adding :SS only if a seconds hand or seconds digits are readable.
7:13
